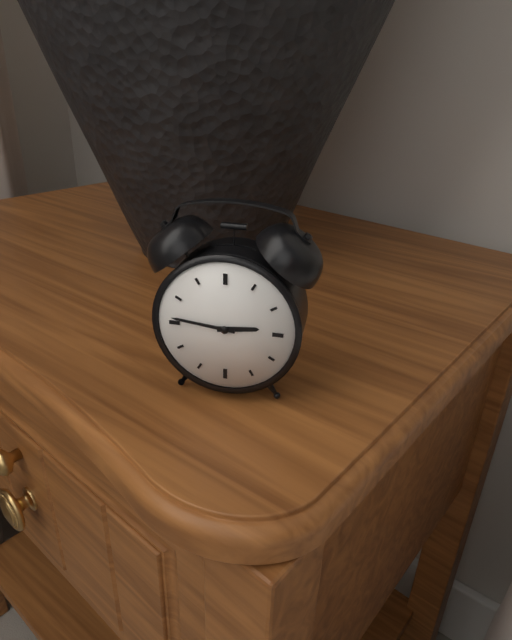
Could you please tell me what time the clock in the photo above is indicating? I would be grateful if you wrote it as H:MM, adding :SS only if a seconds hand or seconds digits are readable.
2:46
